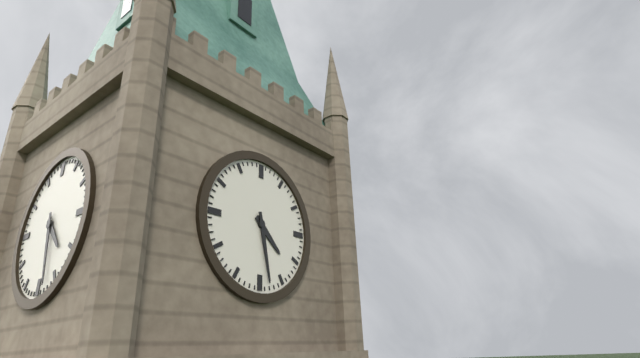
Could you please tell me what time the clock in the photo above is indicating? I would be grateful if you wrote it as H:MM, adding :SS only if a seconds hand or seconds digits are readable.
4:28
